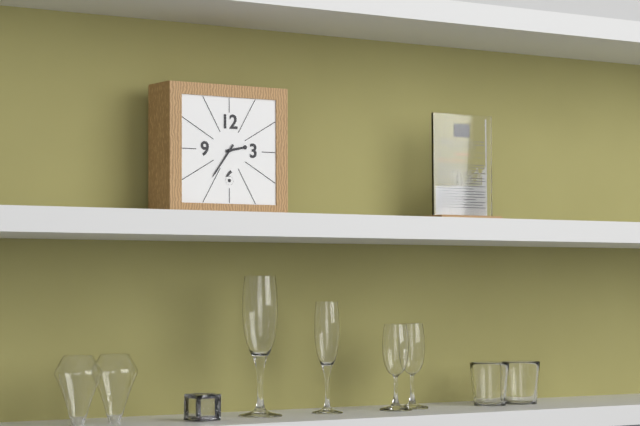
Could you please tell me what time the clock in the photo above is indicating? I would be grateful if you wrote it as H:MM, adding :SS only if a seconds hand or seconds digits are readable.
2:36
